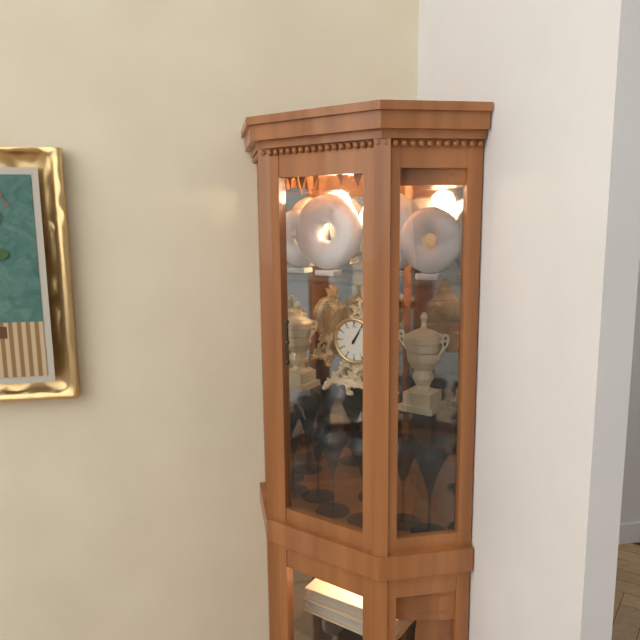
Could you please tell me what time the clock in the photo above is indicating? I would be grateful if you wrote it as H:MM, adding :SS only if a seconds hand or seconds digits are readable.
1:05
